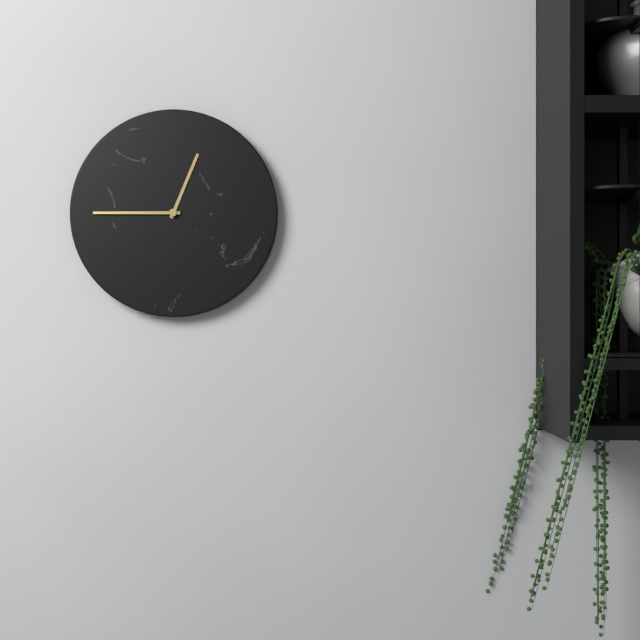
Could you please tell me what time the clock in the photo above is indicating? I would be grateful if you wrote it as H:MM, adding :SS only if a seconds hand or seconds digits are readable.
12:45
